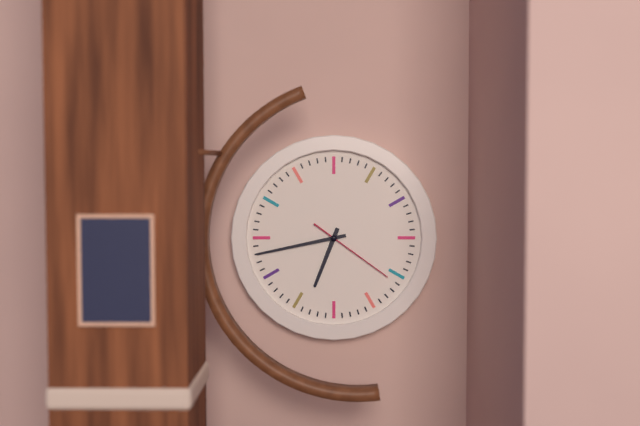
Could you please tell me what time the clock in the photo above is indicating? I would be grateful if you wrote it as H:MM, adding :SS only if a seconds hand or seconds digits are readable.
6:43:21
